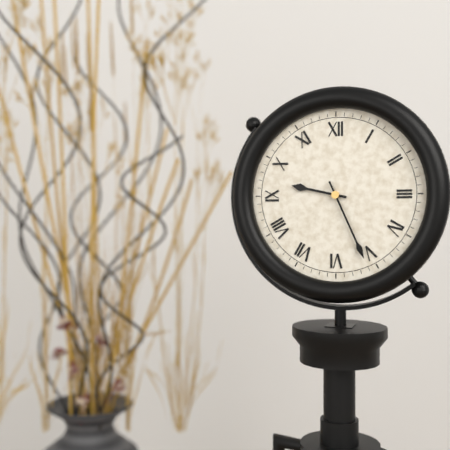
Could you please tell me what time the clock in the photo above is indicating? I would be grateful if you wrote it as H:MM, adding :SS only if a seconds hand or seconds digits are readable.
9:26
